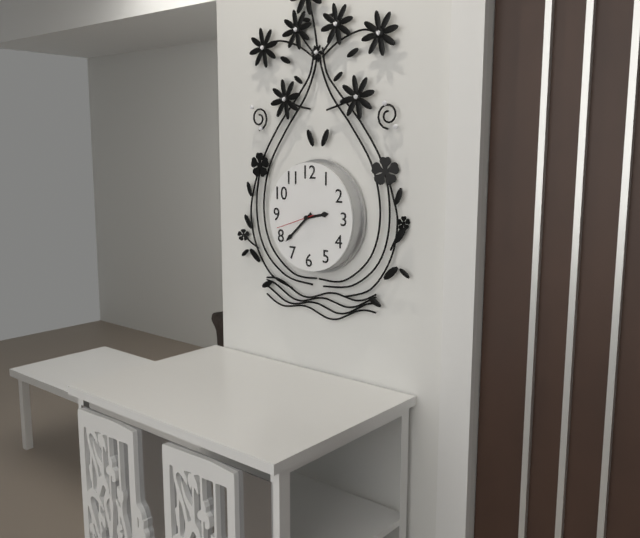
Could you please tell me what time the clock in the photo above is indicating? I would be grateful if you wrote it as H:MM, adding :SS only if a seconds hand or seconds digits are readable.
2:38
